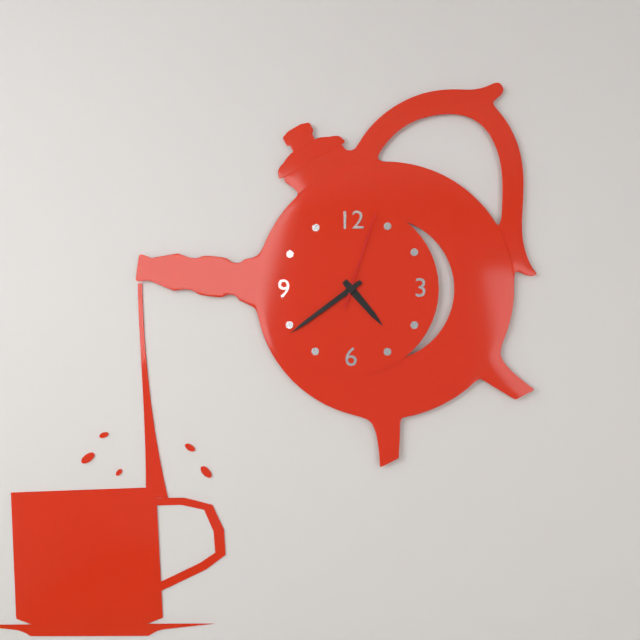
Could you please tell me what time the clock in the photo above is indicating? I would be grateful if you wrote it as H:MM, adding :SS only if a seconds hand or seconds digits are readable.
4:39:03
